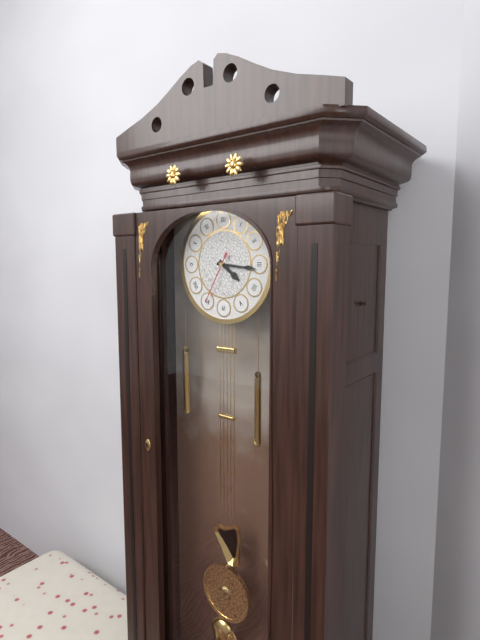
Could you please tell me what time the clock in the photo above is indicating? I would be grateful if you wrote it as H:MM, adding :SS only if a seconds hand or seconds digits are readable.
4:16:35
